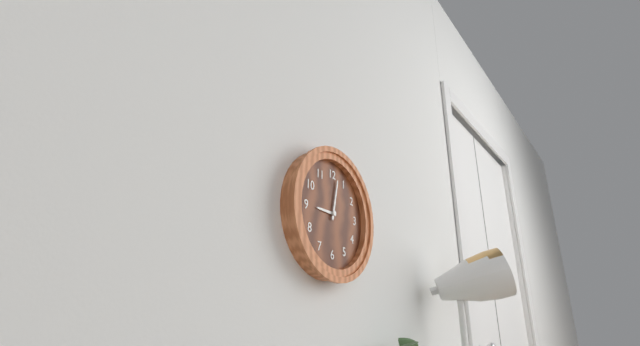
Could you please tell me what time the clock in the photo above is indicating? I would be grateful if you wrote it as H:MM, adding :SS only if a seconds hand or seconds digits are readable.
9:02
